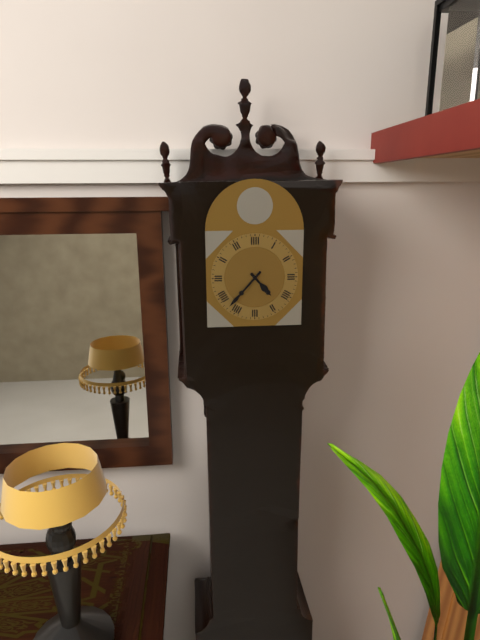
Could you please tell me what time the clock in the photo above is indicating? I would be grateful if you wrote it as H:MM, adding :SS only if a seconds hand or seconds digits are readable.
4:37
